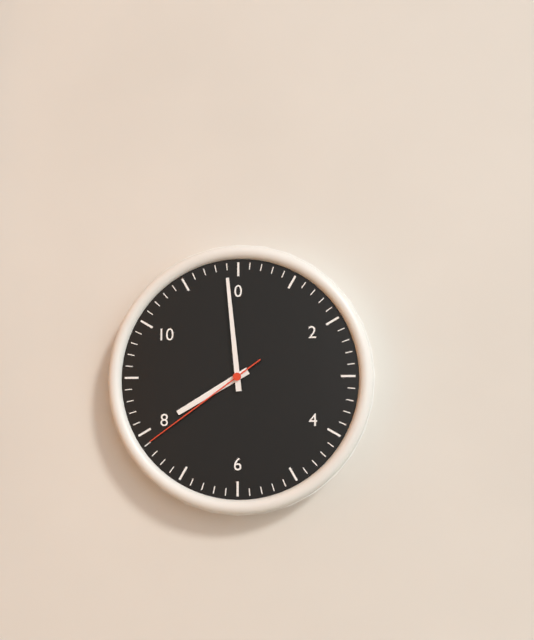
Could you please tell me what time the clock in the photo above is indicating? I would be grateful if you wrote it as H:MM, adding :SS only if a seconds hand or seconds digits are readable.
7:59:39
